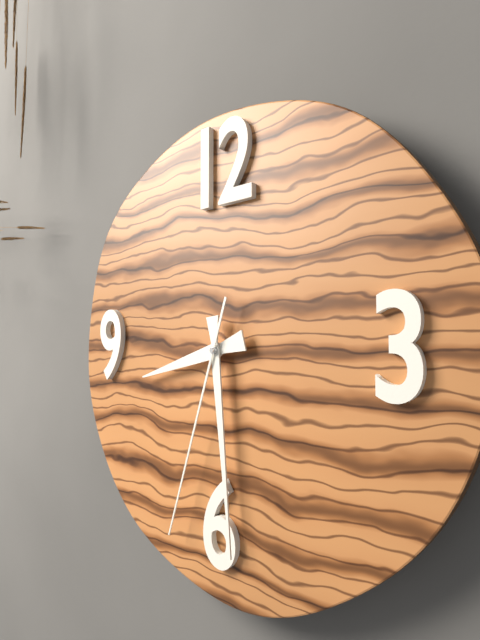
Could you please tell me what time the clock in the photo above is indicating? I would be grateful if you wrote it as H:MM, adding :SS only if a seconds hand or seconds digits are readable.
8:29:33
